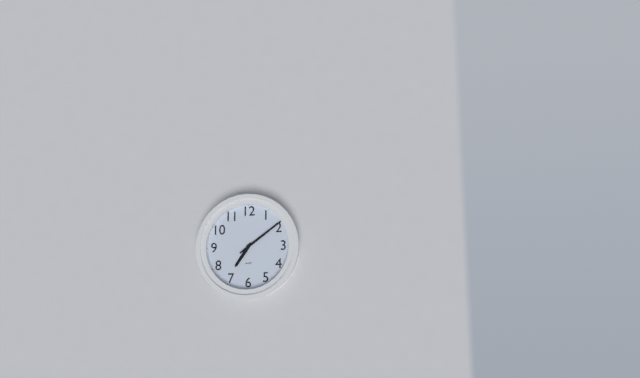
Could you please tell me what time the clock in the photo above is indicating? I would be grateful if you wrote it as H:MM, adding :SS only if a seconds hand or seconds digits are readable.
7:09
